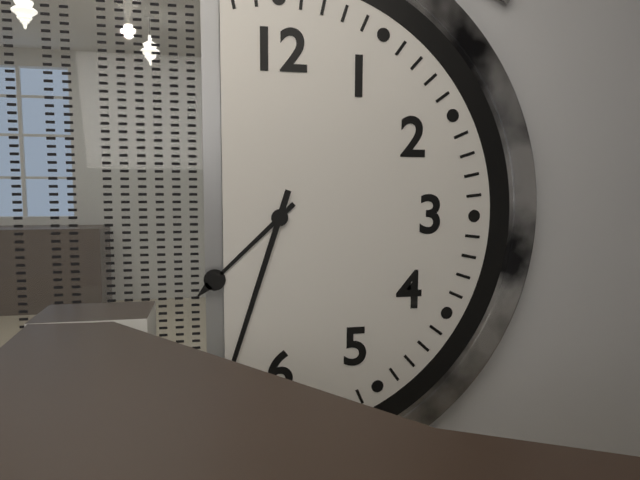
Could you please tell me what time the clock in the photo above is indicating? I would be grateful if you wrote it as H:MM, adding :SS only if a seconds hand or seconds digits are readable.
7:33
